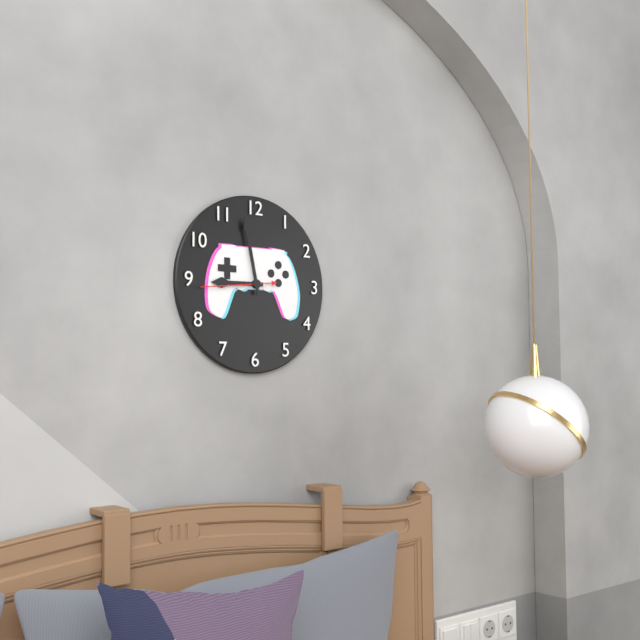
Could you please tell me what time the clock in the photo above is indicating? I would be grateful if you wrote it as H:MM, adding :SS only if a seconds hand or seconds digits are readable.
8:58:44
